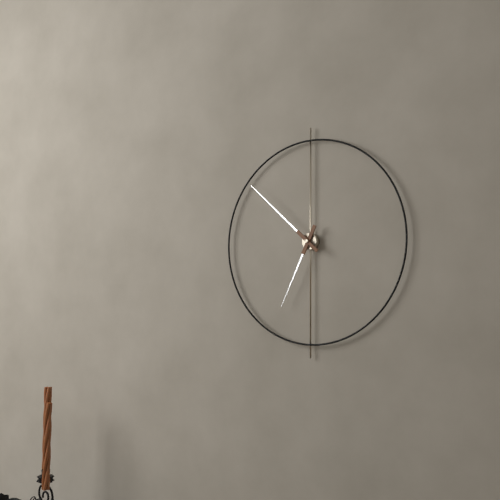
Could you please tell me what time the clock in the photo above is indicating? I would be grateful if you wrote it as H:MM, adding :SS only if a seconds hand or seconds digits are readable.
6:52
